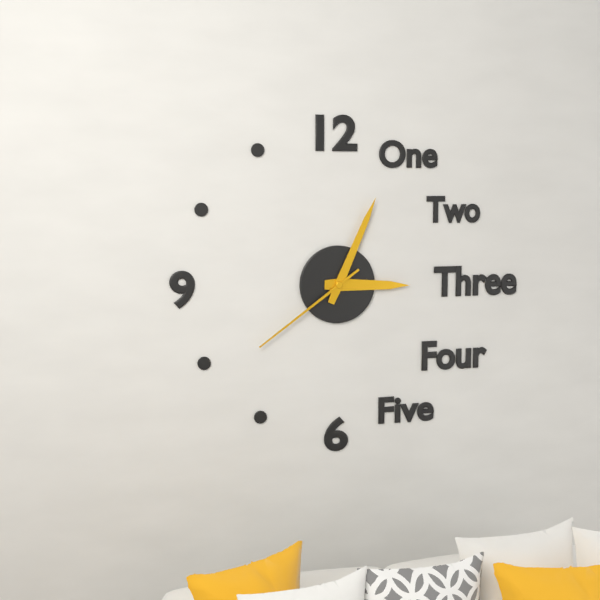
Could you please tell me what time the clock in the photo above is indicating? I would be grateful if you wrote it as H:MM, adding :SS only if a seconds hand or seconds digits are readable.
3:04:39
